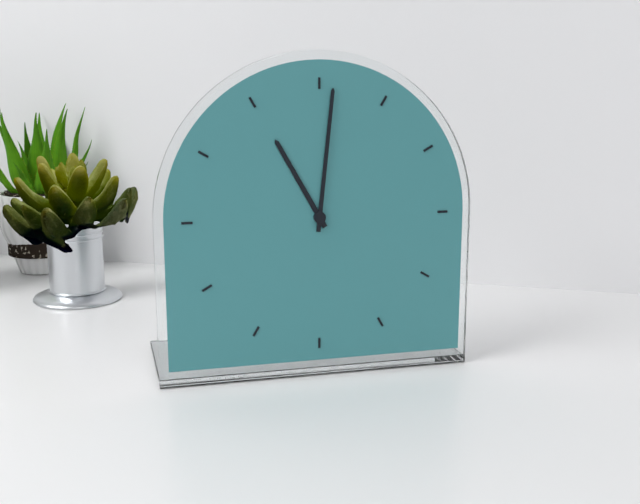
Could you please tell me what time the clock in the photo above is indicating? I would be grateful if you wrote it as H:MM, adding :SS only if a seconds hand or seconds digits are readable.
11:01
